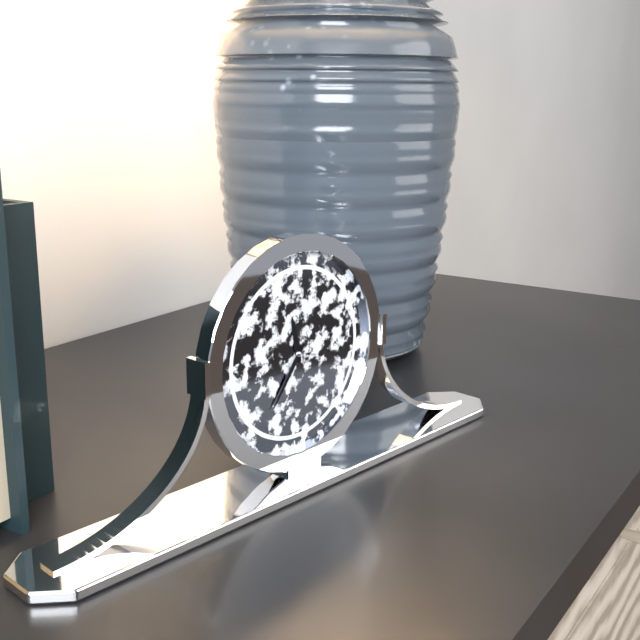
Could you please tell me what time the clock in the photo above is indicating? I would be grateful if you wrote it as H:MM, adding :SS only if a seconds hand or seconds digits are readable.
11:36
